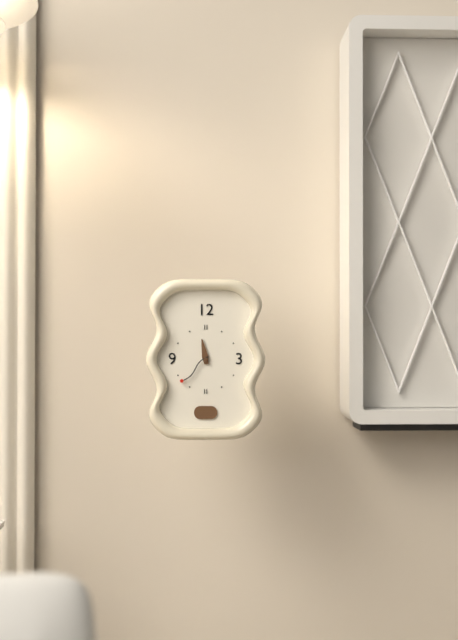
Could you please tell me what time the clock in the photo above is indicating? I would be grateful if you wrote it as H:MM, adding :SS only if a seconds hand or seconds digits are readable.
11:38
